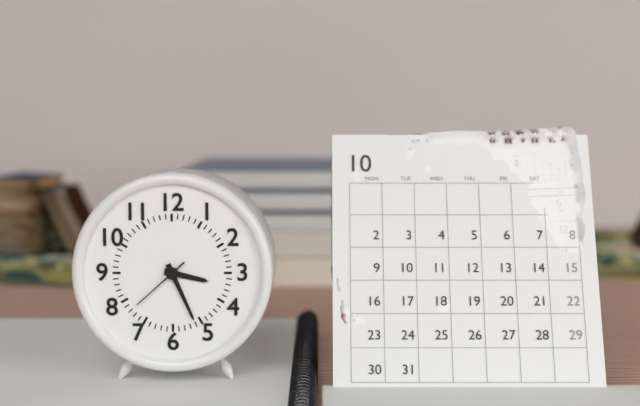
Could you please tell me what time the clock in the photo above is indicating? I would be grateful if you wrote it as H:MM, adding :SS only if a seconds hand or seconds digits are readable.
3:26:38
